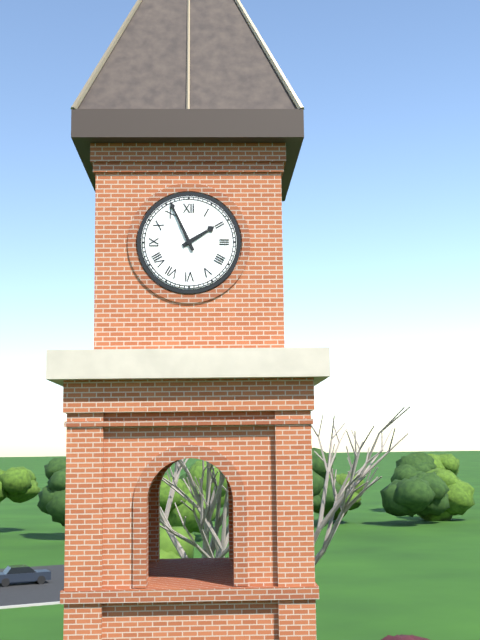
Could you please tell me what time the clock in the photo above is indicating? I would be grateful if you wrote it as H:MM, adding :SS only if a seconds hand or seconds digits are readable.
1:56
